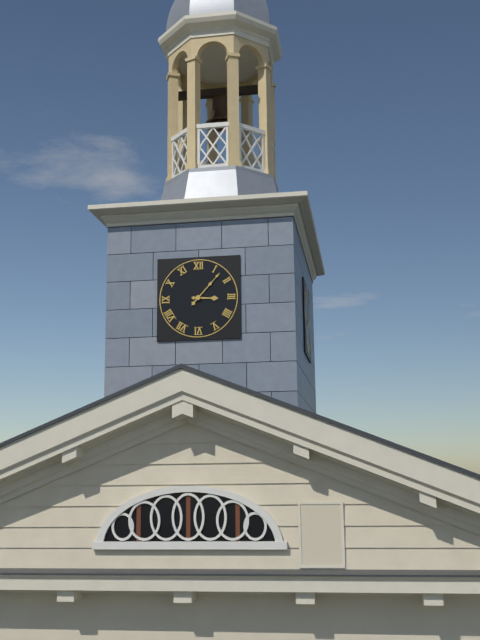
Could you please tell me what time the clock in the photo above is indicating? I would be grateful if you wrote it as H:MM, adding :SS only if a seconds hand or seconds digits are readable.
3:07
